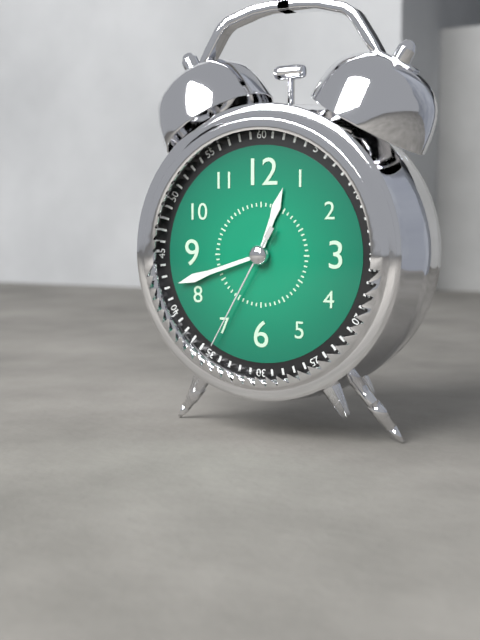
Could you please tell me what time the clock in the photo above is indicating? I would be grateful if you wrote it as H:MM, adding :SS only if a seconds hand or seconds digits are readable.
12:42:35
